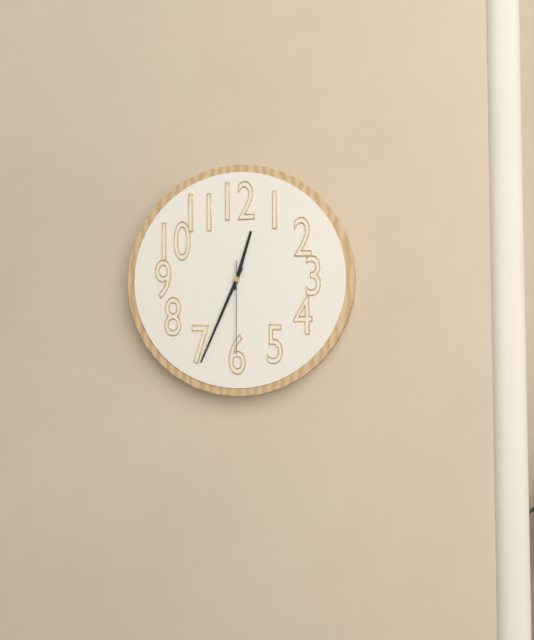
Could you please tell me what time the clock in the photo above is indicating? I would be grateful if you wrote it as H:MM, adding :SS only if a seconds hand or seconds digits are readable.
12:34:30
